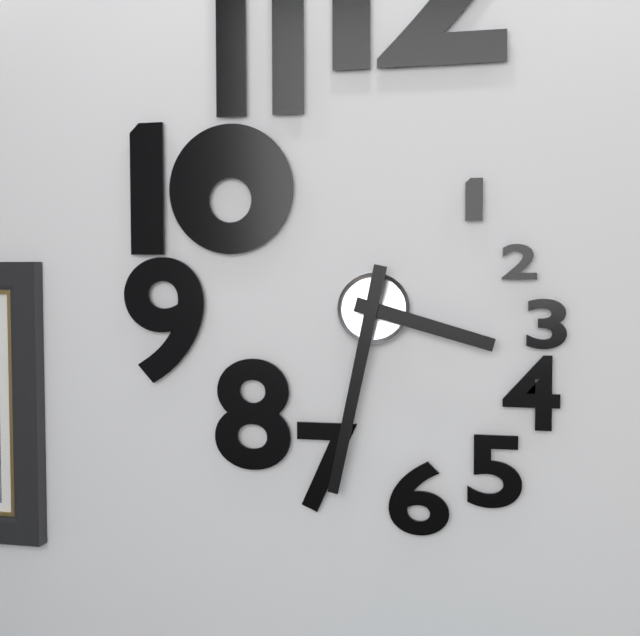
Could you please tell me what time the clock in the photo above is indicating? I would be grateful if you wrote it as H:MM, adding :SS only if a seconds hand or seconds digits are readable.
3:32
